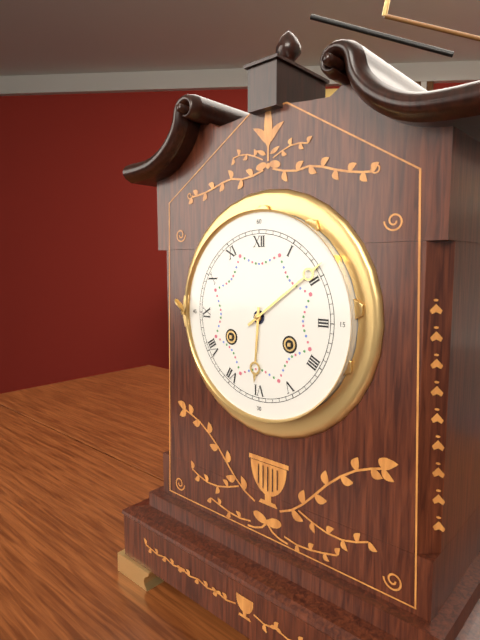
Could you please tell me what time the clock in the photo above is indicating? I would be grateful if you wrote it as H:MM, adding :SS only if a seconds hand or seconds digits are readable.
6:09
